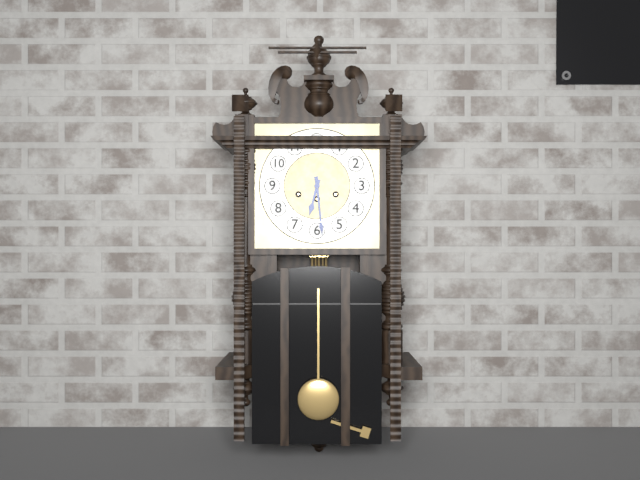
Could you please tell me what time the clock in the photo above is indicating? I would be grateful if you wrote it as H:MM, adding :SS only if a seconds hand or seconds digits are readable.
6:29
